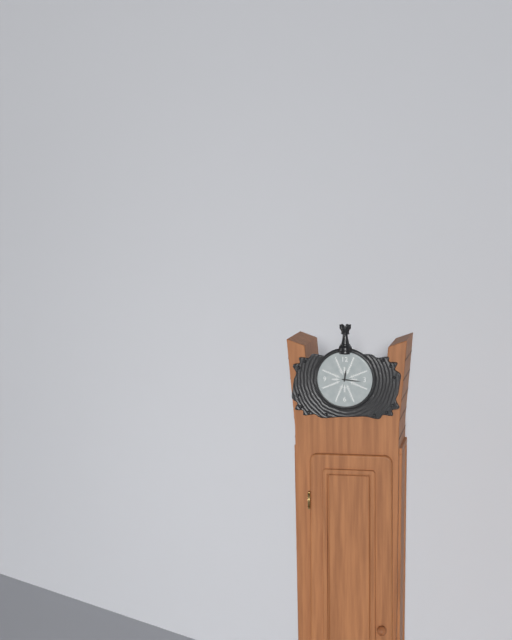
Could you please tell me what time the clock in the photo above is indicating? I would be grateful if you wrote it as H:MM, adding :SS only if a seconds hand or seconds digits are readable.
12:16
